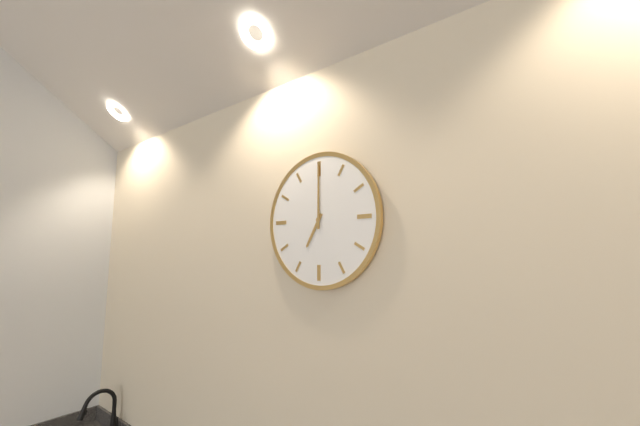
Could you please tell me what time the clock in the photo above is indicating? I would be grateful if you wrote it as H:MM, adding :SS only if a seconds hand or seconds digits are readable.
7:00
